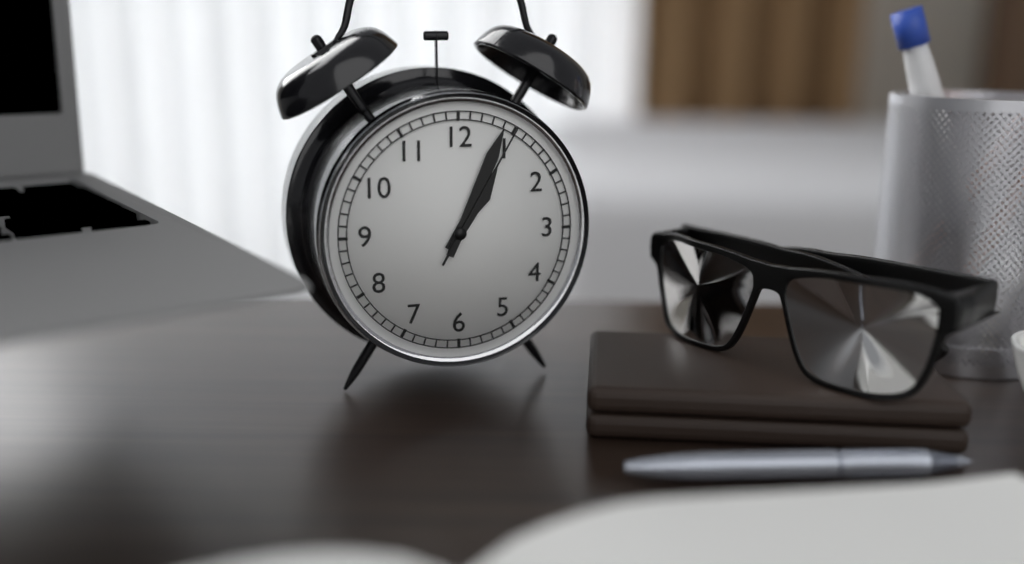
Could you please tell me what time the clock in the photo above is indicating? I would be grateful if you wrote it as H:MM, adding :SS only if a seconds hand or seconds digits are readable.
1:04:05
